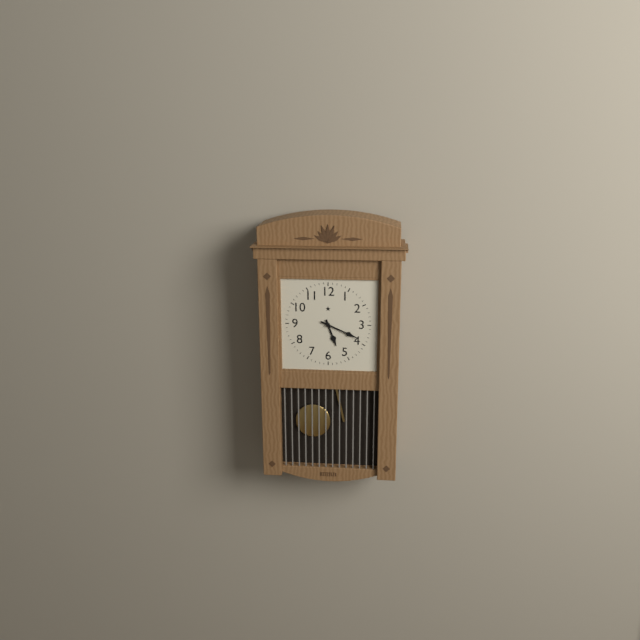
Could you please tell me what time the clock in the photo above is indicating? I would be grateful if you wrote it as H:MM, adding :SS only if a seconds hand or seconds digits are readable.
5:19
